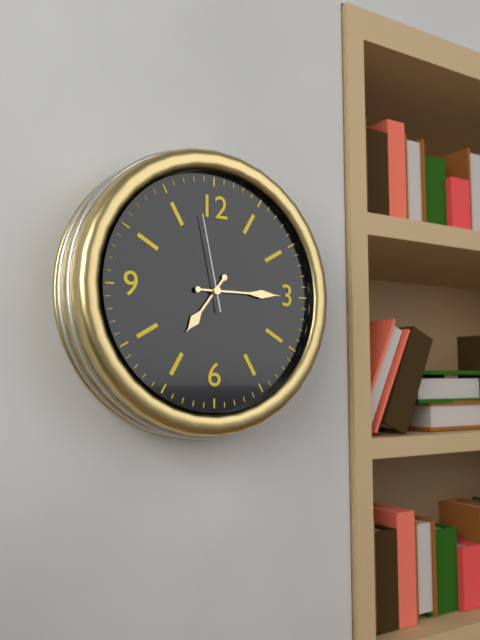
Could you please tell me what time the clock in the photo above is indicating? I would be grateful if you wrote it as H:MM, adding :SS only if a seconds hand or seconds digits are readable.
7:15:58
